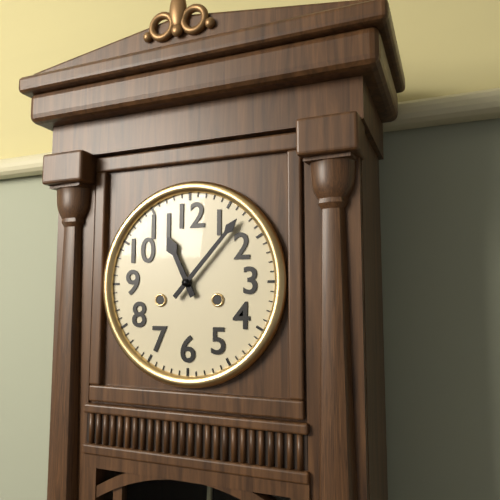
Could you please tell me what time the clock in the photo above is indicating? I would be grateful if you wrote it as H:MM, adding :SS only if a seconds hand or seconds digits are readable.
11:07
